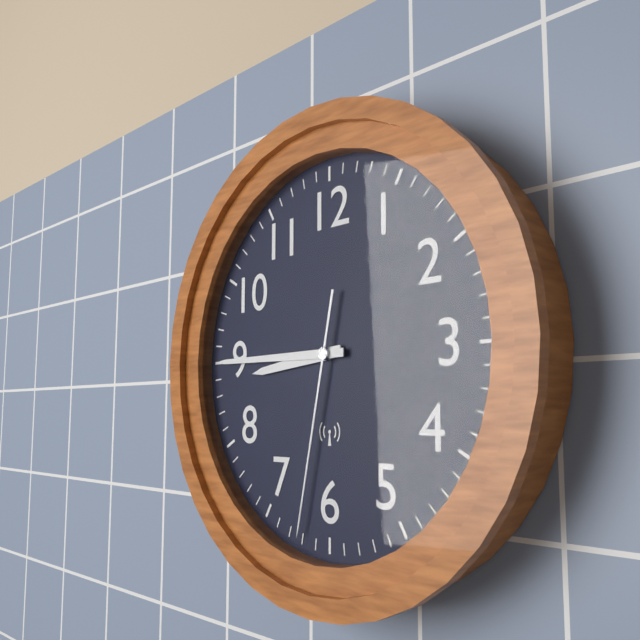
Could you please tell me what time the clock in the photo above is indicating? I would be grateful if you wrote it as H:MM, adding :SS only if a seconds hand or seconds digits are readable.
8:45:32
